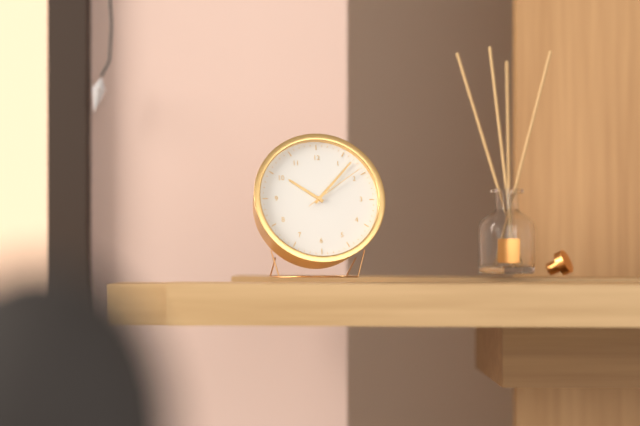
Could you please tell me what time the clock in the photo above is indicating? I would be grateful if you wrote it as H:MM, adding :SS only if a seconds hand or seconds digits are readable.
10:07:09
